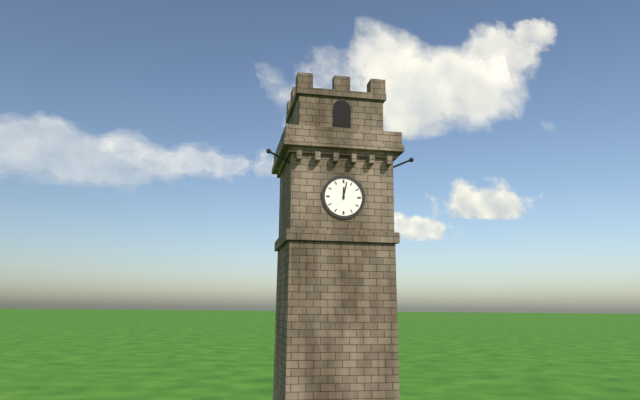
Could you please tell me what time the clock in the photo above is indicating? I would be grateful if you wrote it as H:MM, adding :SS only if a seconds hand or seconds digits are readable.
12:02
